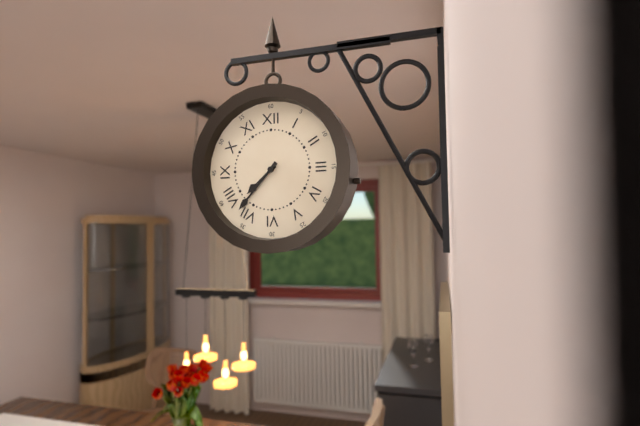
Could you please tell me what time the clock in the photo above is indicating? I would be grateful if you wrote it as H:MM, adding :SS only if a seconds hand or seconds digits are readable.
7:37
